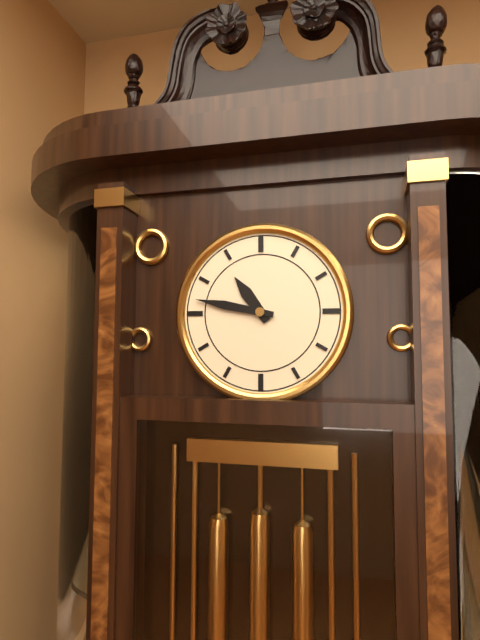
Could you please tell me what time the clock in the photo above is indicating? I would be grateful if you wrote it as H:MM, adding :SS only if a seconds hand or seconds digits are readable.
10:47
